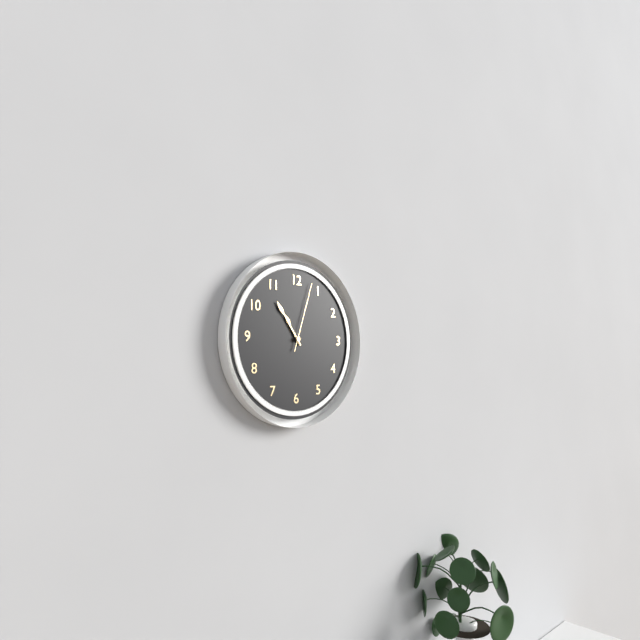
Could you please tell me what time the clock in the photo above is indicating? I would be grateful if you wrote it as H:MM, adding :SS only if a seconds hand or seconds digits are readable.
10:54:03
